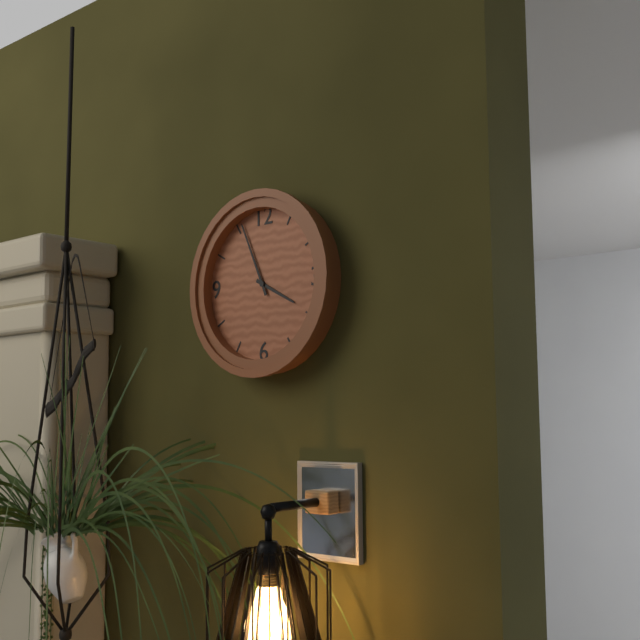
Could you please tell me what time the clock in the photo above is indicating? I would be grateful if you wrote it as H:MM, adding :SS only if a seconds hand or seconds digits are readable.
3:56
